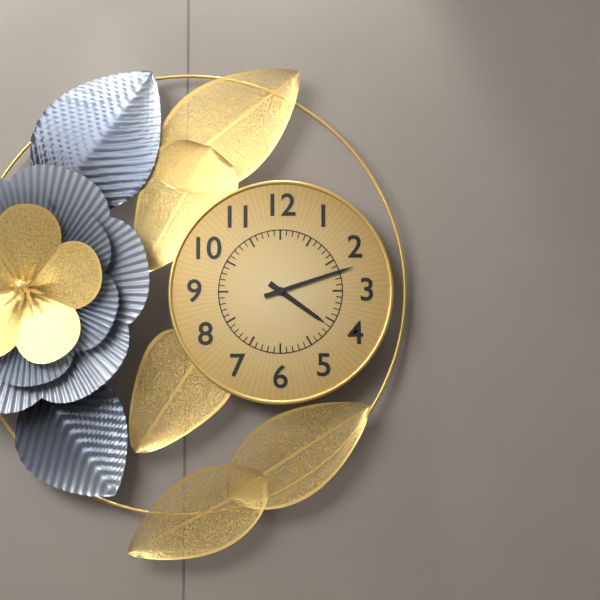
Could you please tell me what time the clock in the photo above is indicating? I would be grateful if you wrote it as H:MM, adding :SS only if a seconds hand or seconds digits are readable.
4:12
